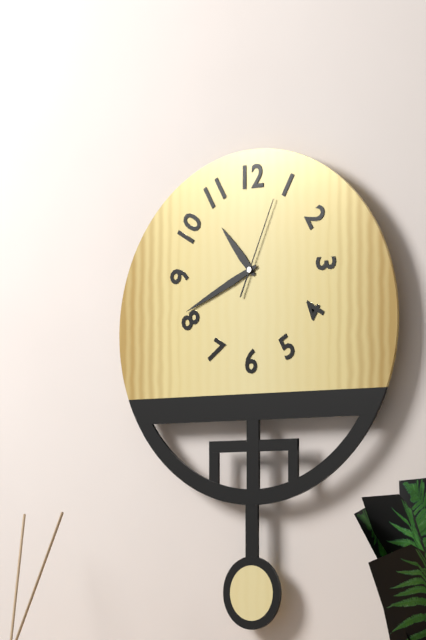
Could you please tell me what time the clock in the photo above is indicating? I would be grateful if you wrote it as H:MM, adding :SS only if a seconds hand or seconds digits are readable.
10:41:04
